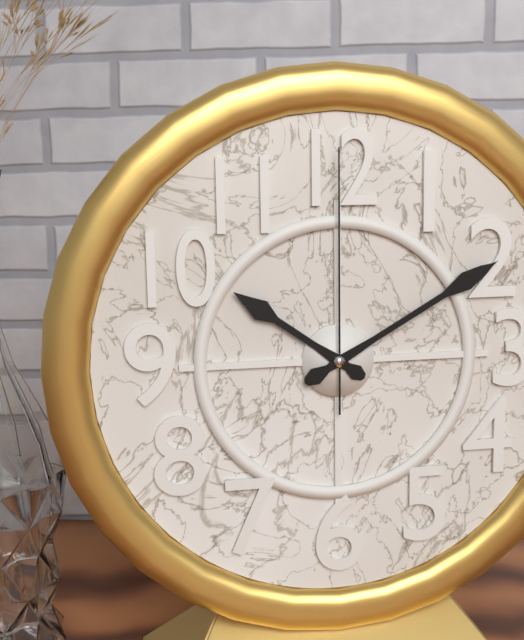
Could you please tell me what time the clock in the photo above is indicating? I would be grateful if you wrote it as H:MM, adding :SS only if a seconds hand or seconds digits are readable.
10:10:00
